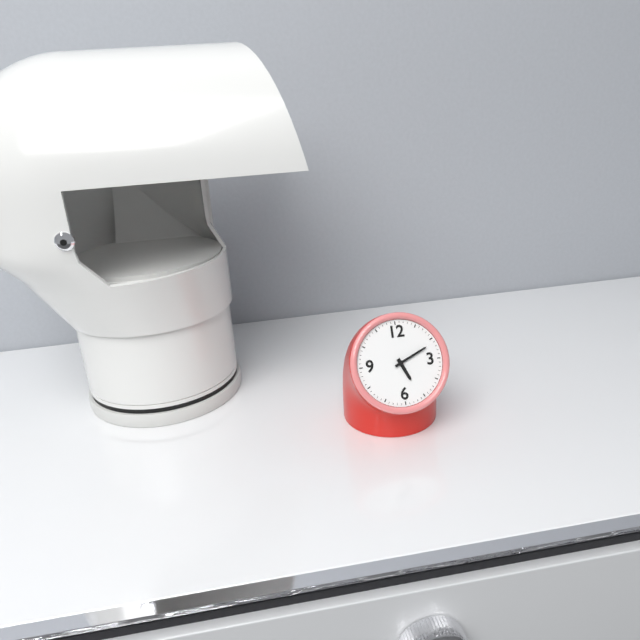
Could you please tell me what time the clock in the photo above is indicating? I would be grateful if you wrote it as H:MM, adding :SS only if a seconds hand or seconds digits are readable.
5:11
